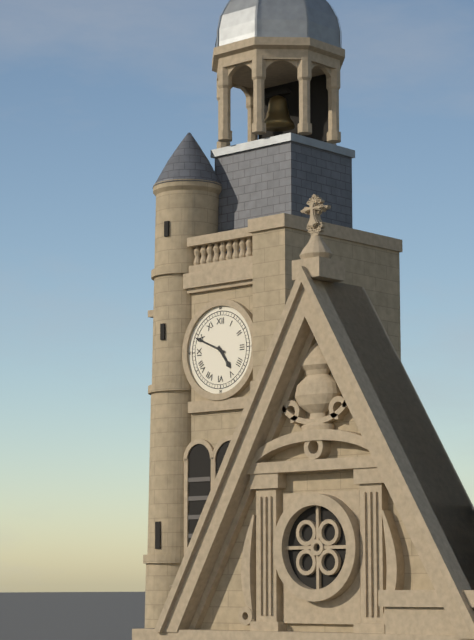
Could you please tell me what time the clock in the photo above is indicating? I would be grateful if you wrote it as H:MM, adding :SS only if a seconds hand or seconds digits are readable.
4:49
